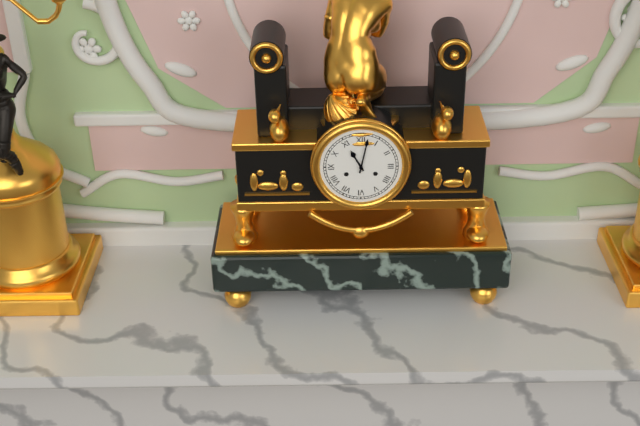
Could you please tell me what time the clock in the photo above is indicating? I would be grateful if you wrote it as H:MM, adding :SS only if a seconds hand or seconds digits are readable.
11:02
